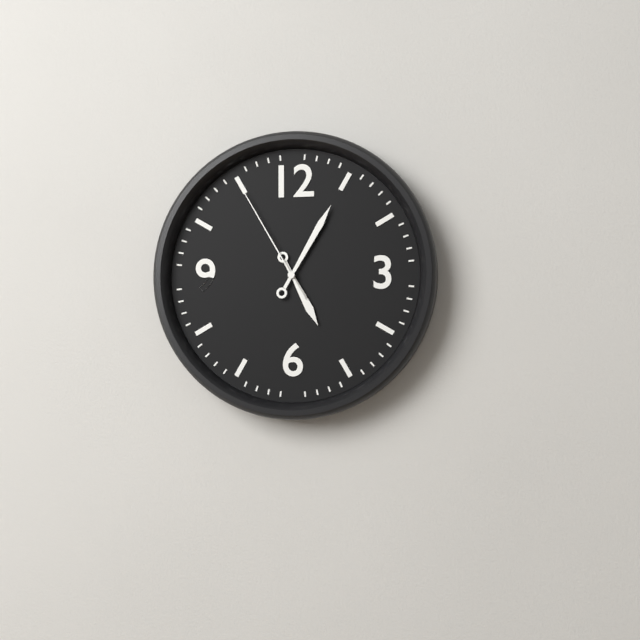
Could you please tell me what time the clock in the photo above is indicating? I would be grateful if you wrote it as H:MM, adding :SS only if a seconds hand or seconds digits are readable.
5:05:55
